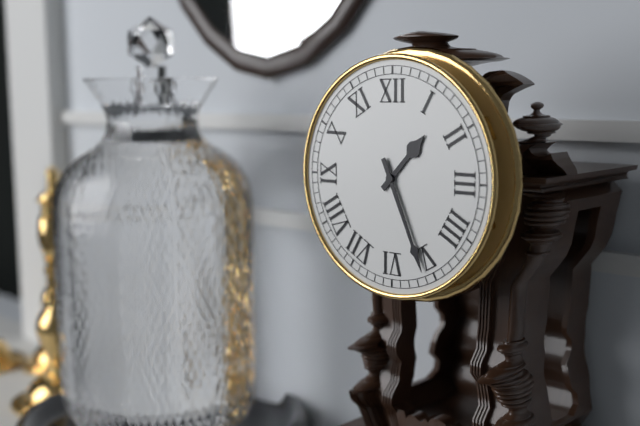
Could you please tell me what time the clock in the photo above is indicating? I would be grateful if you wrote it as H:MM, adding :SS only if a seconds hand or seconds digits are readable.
1:26
